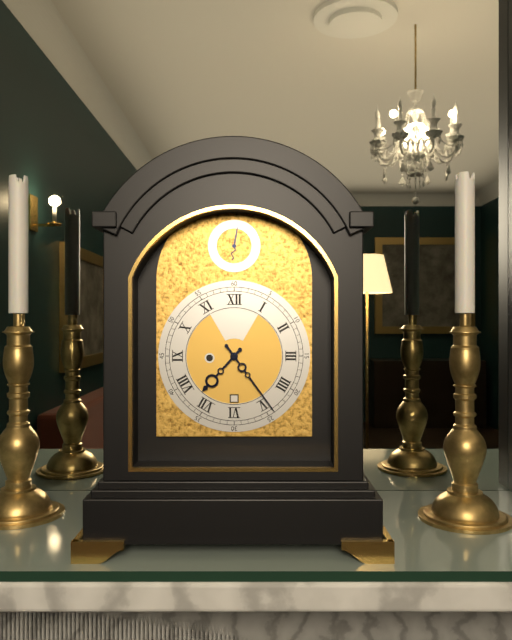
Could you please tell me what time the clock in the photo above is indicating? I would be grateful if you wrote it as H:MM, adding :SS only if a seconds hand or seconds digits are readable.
7:24
